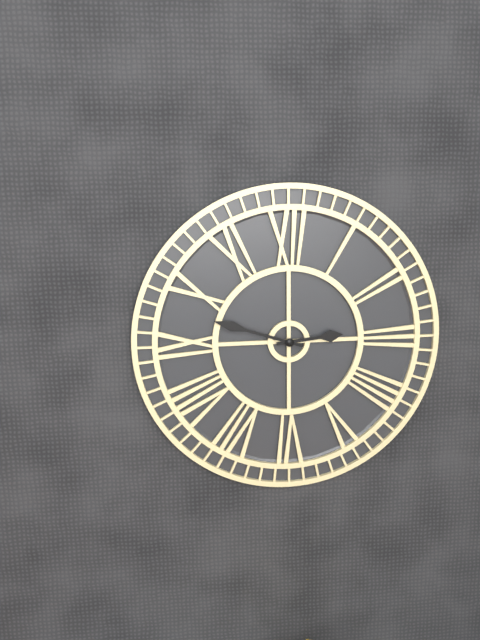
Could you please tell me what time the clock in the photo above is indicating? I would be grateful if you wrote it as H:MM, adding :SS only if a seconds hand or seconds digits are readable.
2:48
